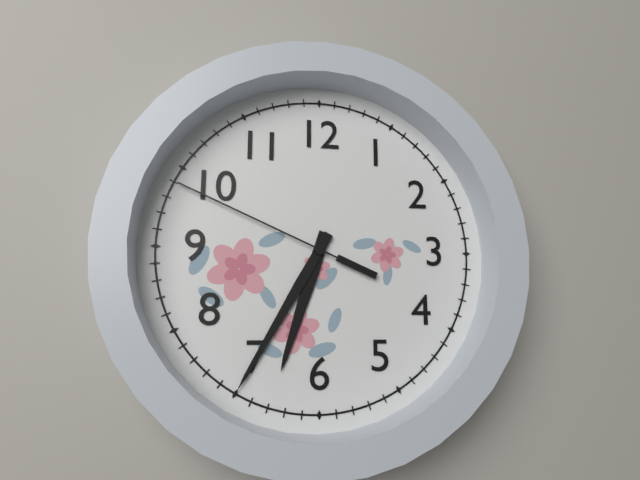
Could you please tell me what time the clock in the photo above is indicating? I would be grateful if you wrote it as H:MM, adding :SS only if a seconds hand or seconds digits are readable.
6:35:49
